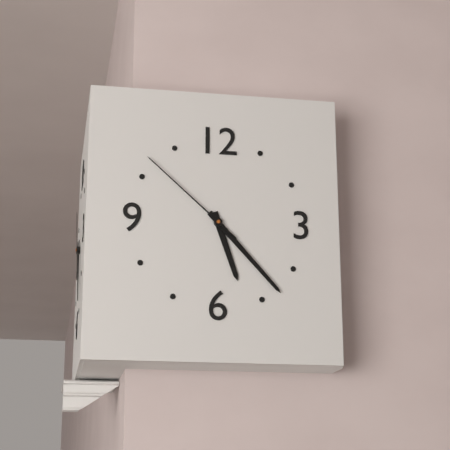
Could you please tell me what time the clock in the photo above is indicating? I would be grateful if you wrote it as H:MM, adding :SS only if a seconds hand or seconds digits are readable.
5:23:52
